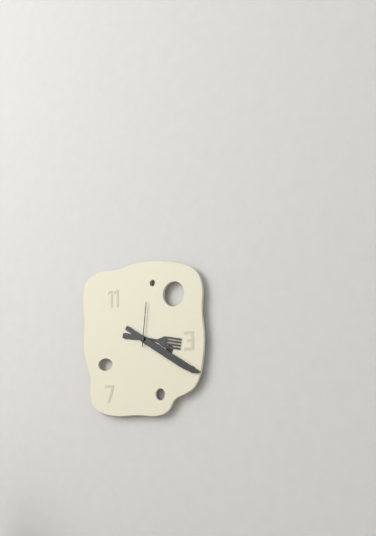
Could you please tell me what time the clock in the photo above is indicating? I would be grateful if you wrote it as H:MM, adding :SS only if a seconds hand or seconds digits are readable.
3:20
